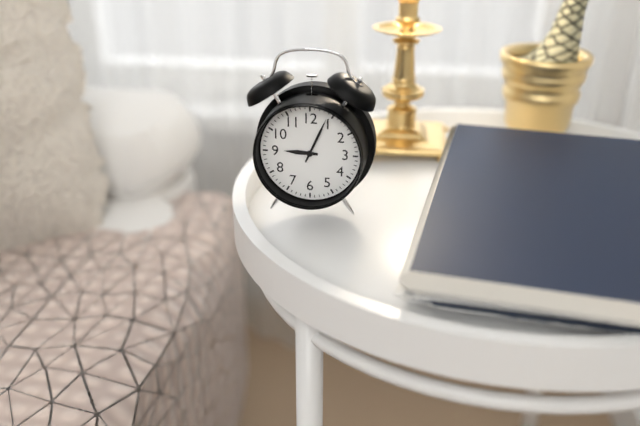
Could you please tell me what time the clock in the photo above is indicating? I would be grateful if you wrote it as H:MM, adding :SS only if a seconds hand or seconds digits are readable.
9:04
